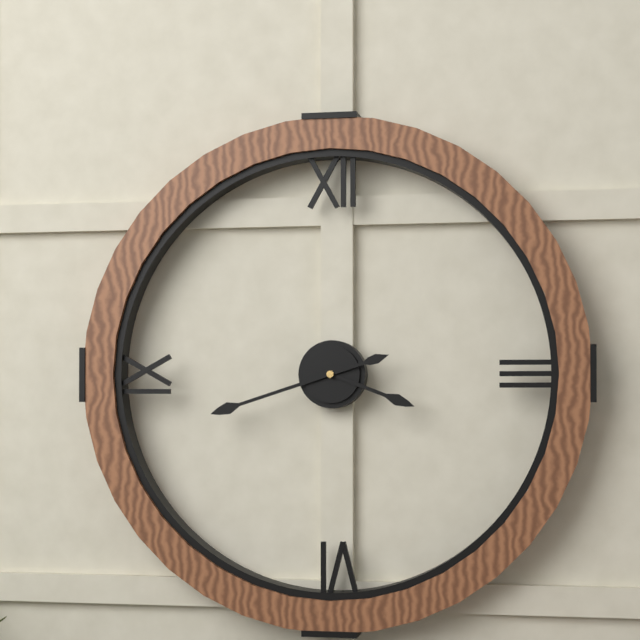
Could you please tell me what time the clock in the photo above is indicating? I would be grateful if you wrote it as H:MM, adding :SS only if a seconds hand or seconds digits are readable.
3:42
